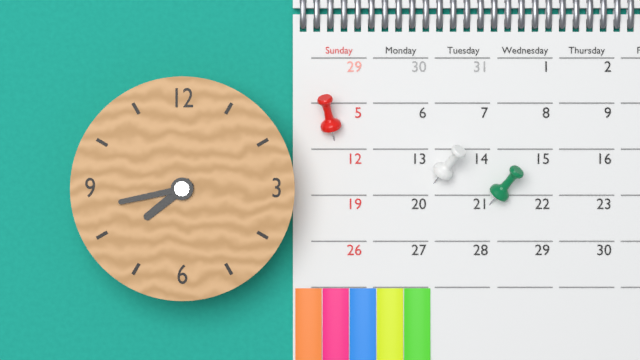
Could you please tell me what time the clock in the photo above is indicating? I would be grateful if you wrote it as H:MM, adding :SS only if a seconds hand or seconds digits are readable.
7:43
